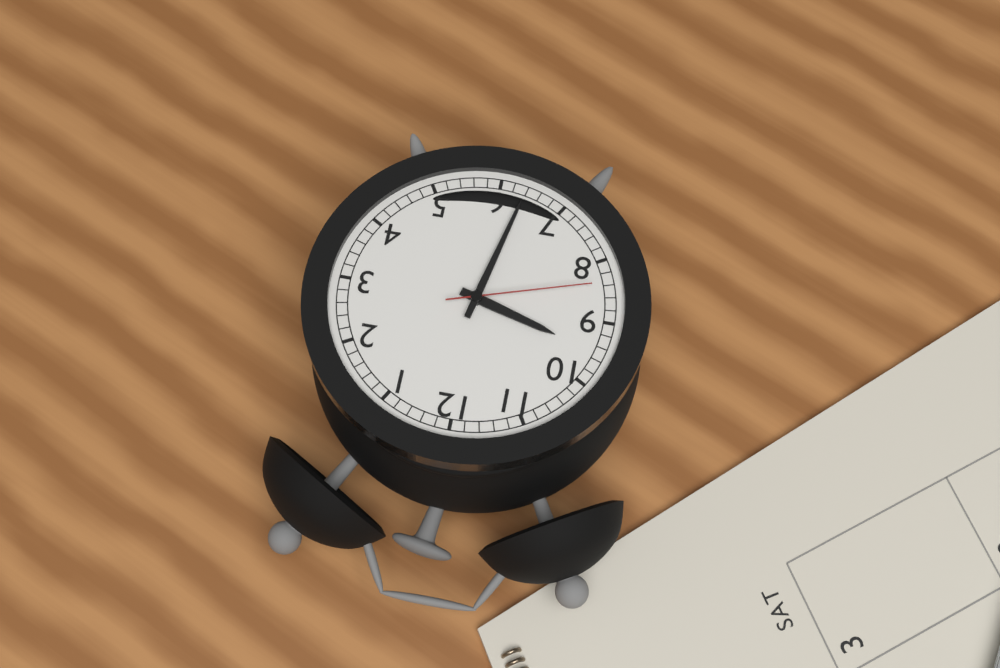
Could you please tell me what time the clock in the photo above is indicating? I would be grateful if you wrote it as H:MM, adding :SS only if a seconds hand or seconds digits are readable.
9:32:42
